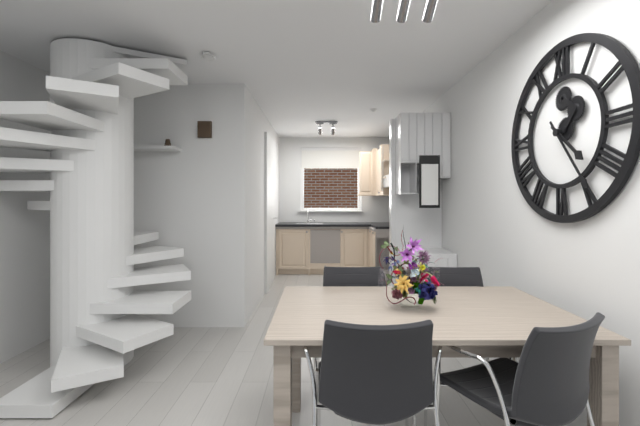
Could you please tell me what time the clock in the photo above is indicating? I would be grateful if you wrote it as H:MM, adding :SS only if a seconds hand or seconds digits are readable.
4:24
